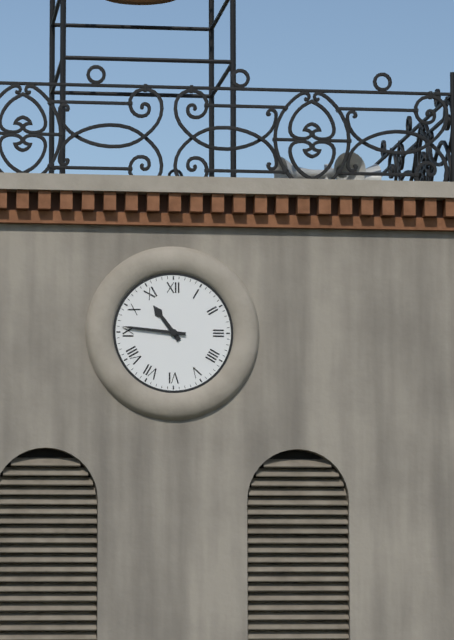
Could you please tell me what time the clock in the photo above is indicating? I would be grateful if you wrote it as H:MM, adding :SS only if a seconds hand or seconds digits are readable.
10:46
